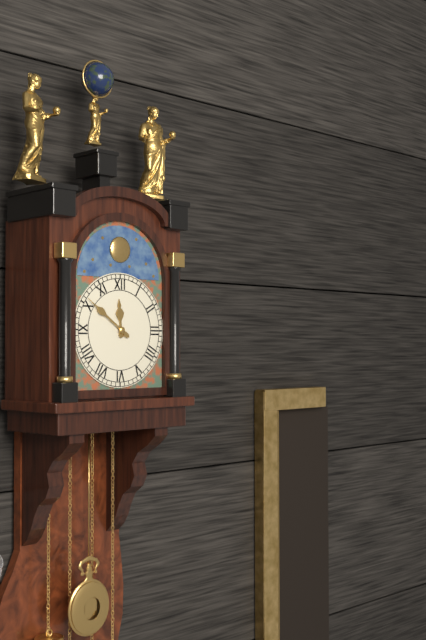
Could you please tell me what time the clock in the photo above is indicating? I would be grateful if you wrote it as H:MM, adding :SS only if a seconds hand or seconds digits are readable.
11:51
